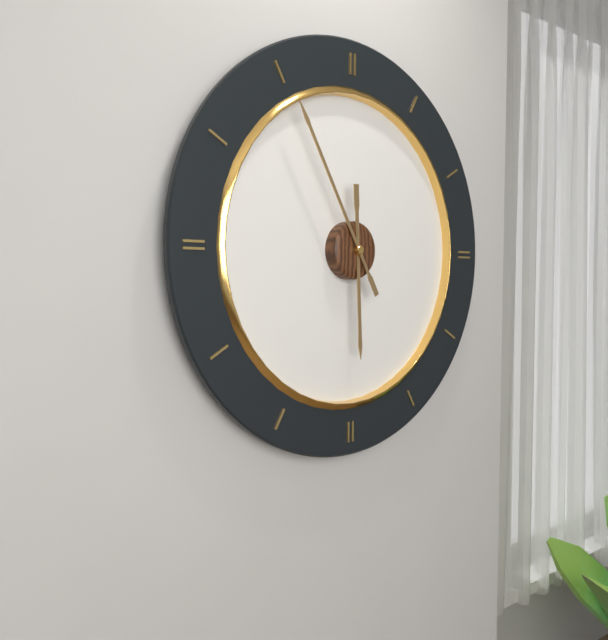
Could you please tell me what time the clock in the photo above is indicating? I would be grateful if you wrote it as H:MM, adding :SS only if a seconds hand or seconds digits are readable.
5:55
